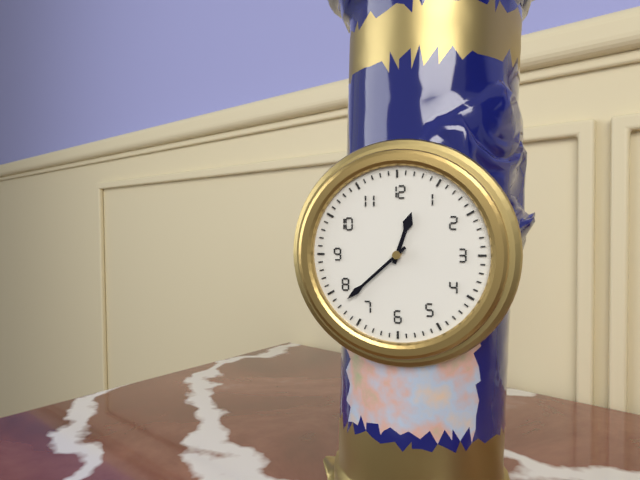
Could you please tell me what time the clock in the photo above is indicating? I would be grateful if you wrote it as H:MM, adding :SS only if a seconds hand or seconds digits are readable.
12:38
